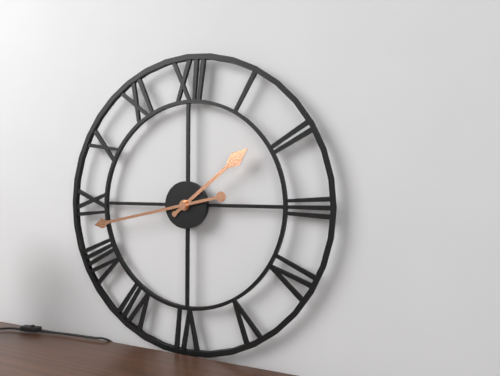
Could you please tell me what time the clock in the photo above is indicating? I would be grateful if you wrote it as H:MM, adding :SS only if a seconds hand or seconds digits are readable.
1:43
